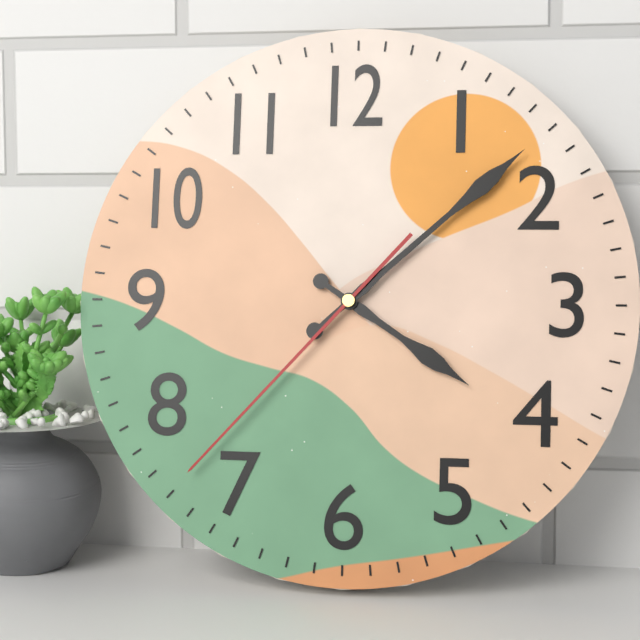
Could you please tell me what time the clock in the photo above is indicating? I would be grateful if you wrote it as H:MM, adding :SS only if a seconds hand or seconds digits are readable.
4:08:37
